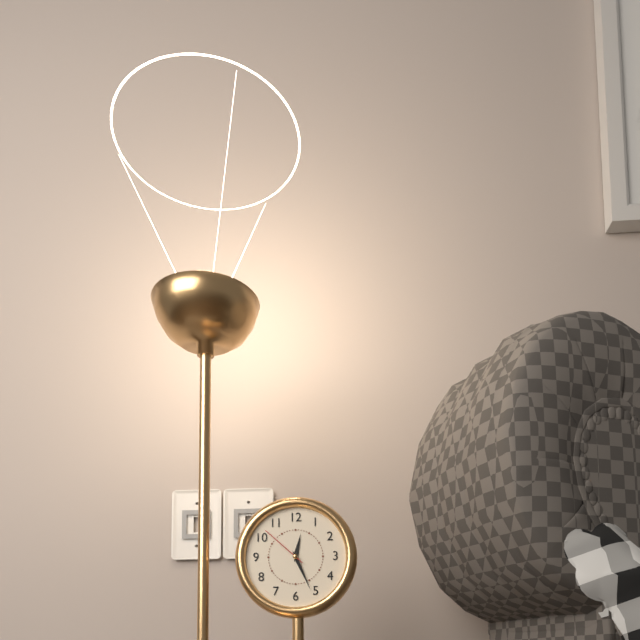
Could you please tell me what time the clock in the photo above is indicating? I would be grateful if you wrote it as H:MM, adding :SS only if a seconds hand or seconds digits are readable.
12:26
